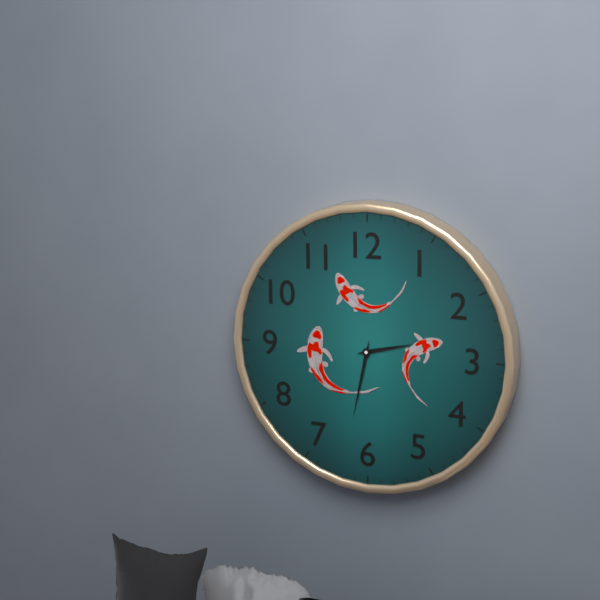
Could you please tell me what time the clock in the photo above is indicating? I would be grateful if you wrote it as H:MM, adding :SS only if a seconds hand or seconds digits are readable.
2:32
